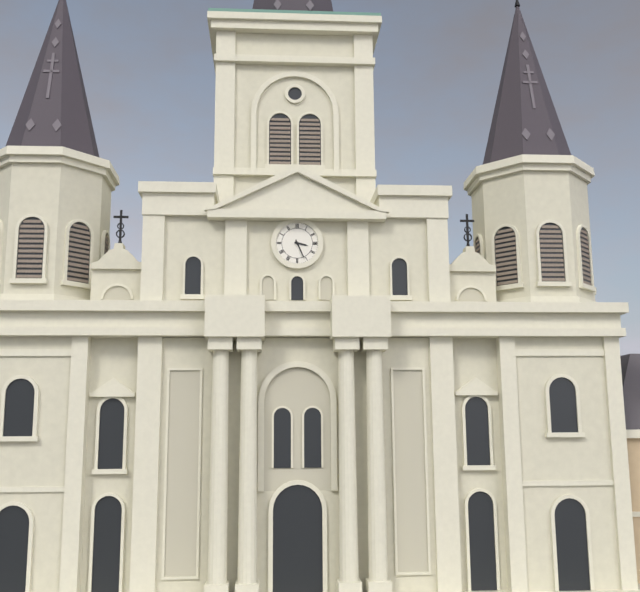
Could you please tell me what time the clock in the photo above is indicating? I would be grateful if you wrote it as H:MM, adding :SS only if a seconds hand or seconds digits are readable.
3:26
